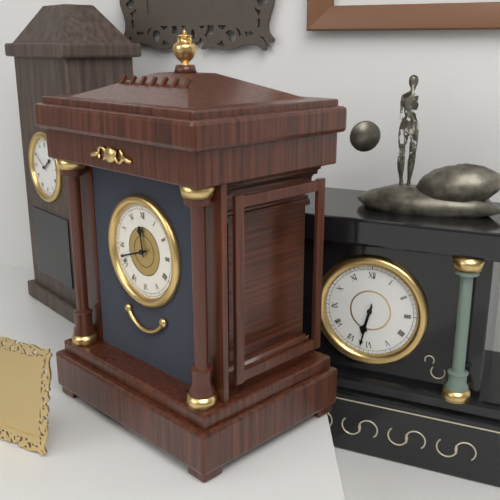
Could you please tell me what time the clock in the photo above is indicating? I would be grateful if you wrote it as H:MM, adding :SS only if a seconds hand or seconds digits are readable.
11:42
